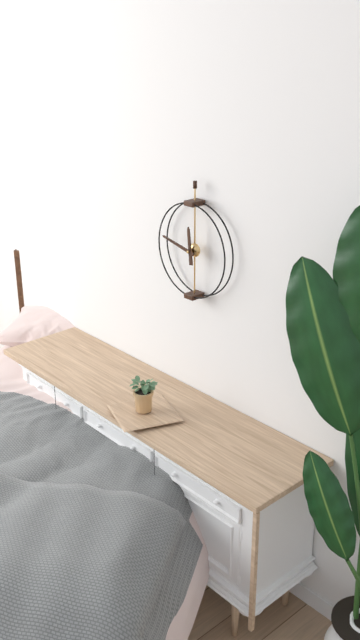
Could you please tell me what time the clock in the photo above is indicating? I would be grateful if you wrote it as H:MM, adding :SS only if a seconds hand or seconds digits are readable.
11:47
